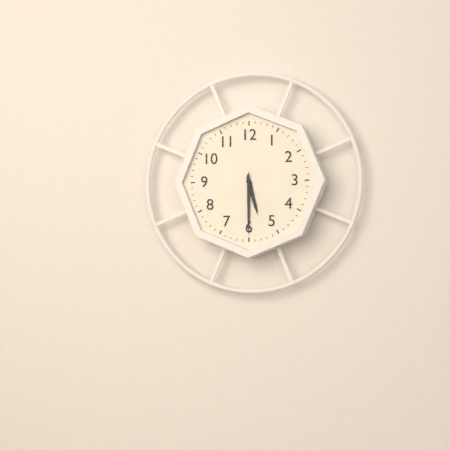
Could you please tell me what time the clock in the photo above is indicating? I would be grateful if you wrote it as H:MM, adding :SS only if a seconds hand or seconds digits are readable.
5:30
